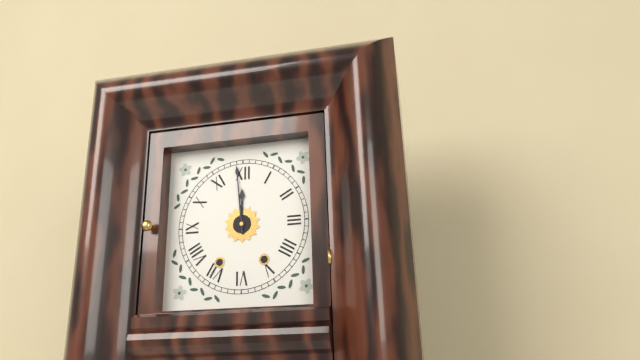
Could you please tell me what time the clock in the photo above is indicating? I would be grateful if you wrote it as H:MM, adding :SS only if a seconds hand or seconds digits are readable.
11:59
